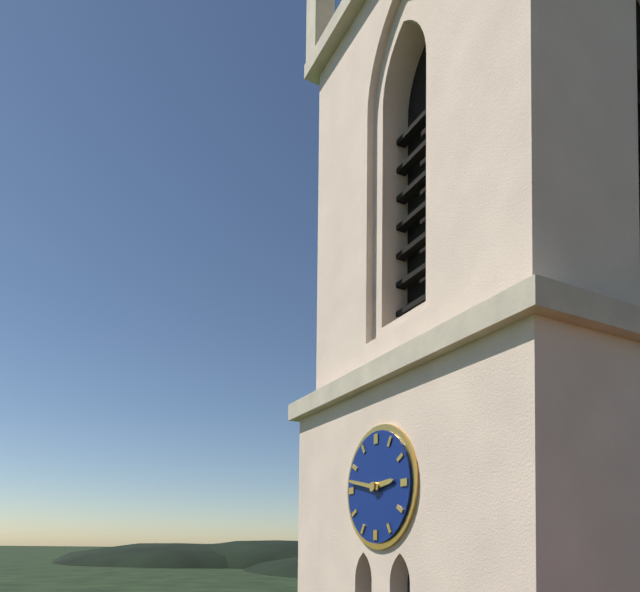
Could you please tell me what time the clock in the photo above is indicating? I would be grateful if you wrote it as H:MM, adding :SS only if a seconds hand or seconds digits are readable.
2:47
